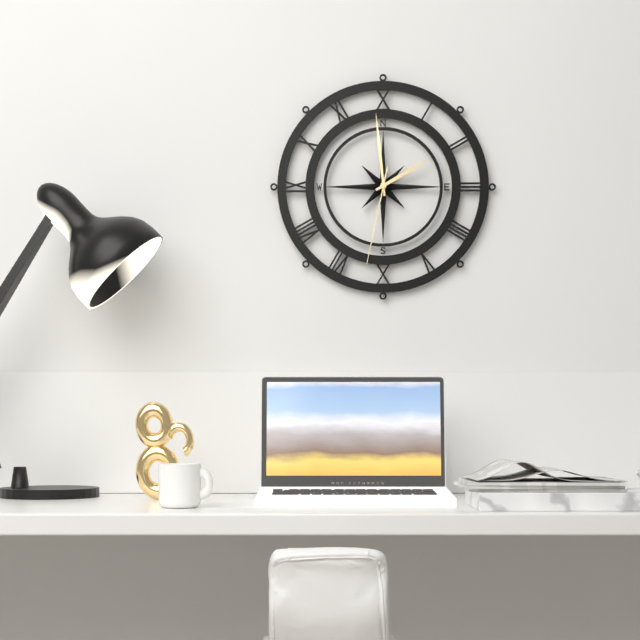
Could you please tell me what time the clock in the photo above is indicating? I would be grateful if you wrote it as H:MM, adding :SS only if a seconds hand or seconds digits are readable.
1:59:32
